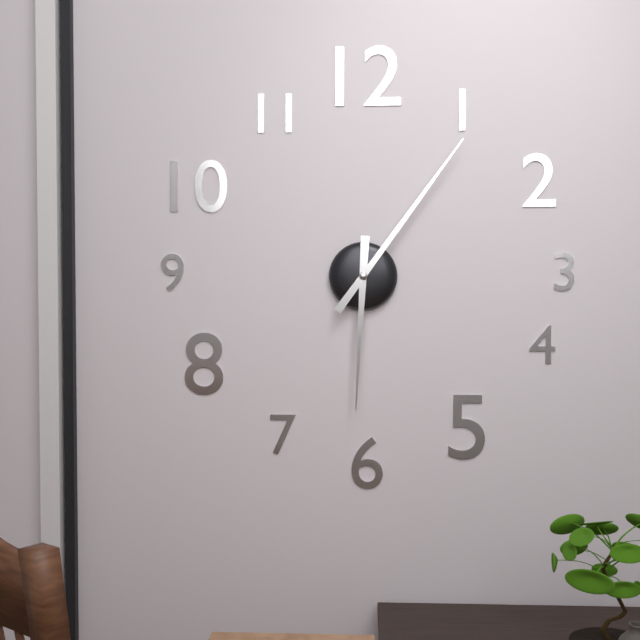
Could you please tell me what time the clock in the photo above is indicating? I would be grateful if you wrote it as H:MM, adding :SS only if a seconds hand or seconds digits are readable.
6:06
